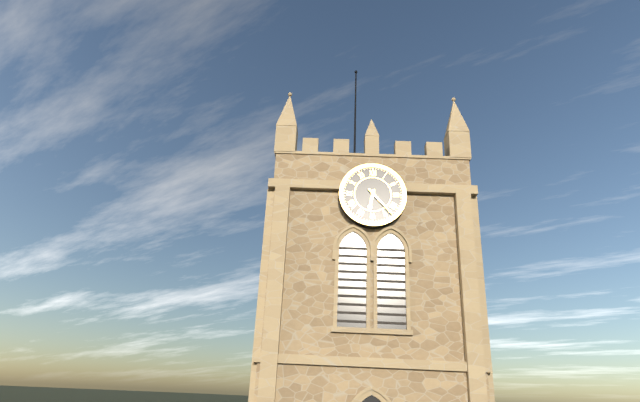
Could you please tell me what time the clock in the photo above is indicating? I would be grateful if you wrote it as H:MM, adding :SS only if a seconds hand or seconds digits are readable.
6:23
